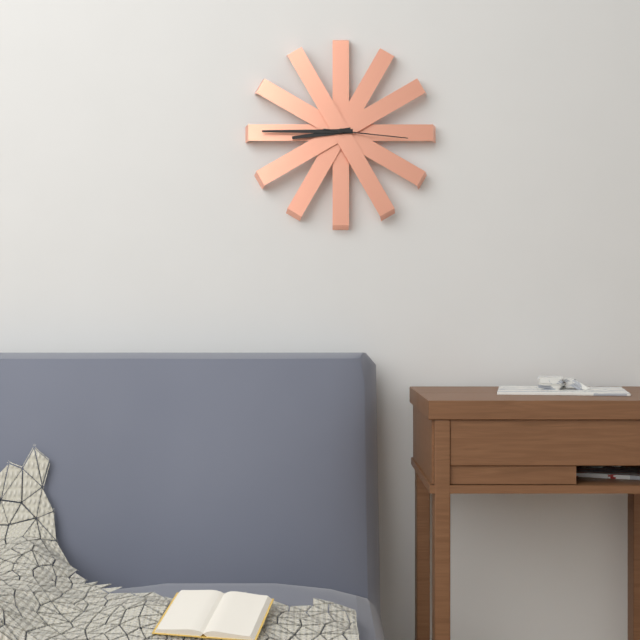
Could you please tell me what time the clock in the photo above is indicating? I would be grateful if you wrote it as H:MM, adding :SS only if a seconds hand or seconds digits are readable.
8:45:16
